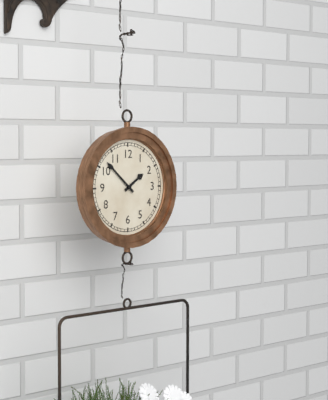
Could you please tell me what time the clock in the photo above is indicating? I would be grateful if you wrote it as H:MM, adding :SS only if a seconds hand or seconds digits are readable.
1:52
